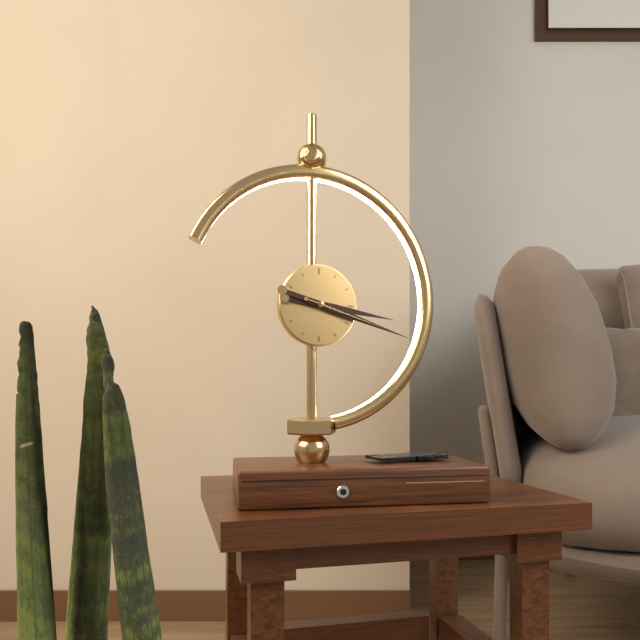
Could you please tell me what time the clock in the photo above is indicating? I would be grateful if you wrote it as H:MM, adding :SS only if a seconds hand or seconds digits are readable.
3:18:18
